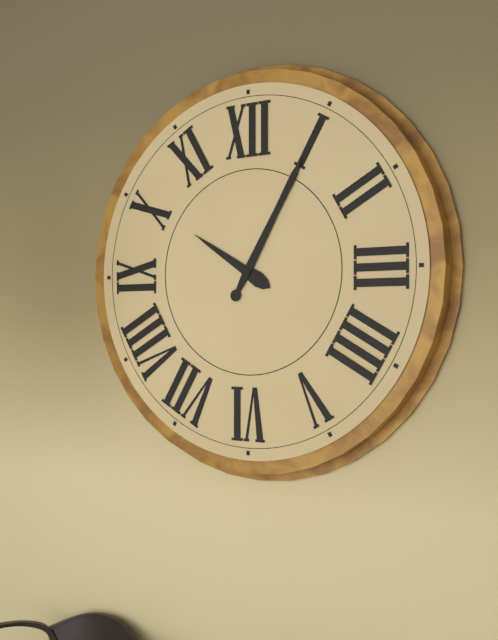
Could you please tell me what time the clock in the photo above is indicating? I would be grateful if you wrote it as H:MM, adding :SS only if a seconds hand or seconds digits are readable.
10:05
